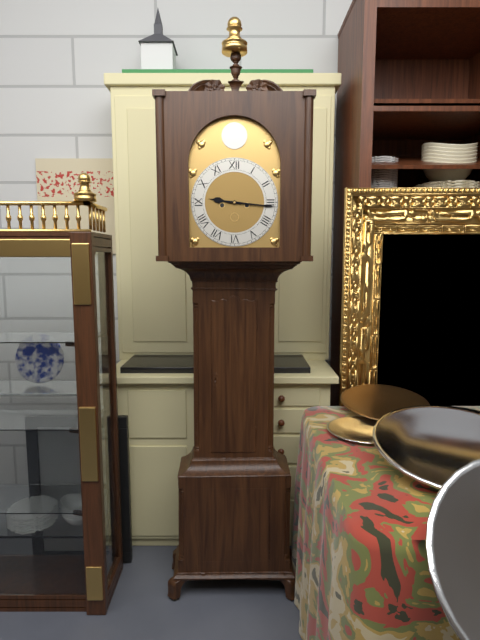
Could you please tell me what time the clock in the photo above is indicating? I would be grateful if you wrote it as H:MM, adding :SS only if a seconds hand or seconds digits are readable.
9:16
